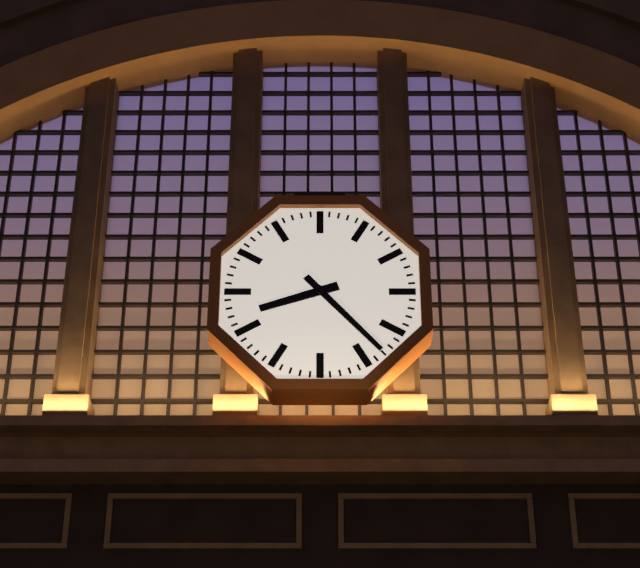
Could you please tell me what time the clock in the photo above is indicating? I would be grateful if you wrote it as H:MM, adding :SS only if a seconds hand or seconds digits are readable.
8:23
